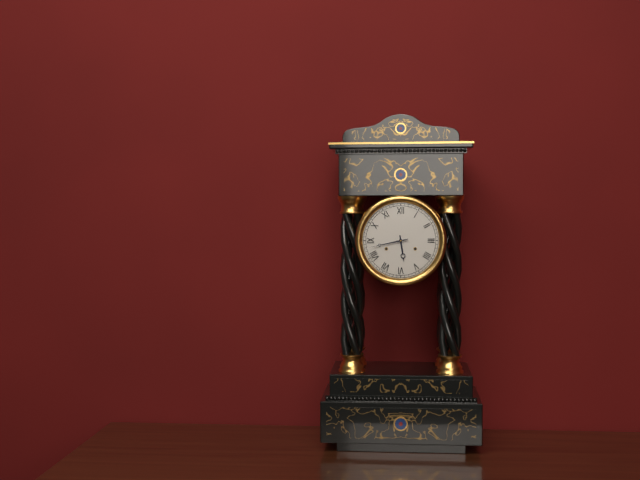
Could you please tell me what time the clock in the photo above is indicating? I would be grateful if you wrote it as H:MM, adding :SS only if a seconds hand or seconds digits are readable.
5:43
